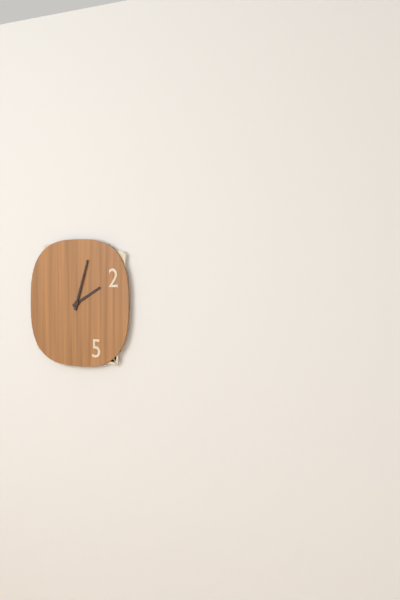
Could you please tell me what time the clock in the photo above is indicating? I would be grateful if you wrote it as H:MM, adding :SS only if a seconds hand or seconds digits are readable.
2:03
